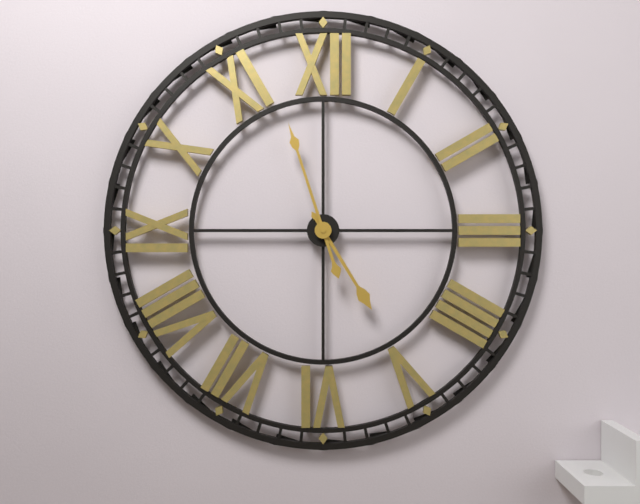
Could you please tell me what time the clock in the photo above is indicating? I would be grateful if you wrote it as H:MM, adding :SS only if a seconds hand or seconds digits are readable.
4:57
